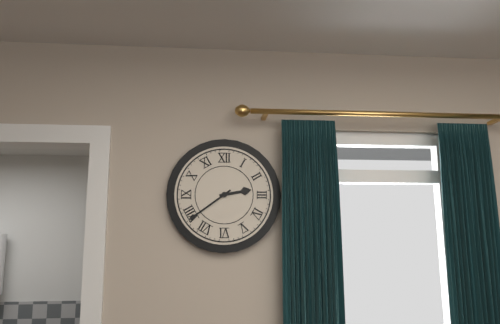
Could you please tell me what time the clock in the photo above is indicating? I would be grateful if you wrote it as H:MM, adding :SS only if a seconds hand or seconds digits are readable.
2:39
